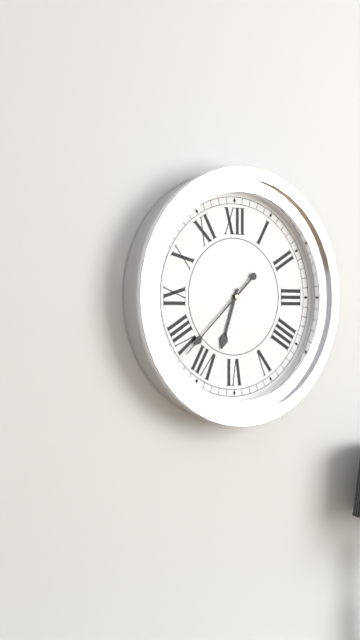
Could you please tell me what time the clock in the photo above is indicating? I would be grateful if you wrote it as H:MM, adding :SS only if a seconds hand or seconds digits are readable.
6:38
